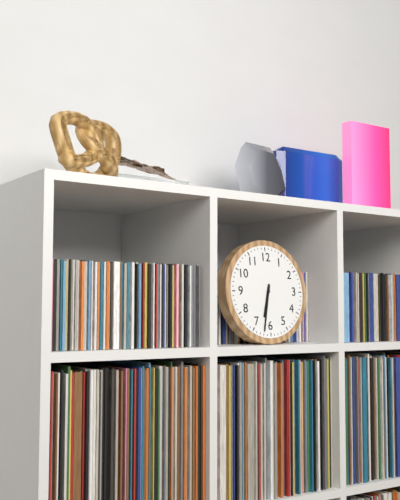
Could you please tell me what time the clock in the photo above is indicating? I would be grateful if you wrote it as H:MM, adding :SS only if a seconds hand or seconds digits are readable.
6:32
